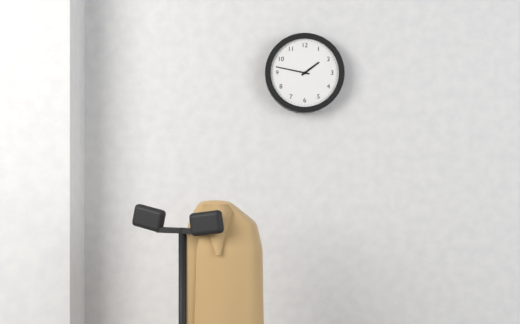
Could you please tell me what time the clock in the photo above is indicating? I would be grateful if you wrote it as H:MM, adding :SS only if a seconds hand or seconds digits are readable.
1:47
